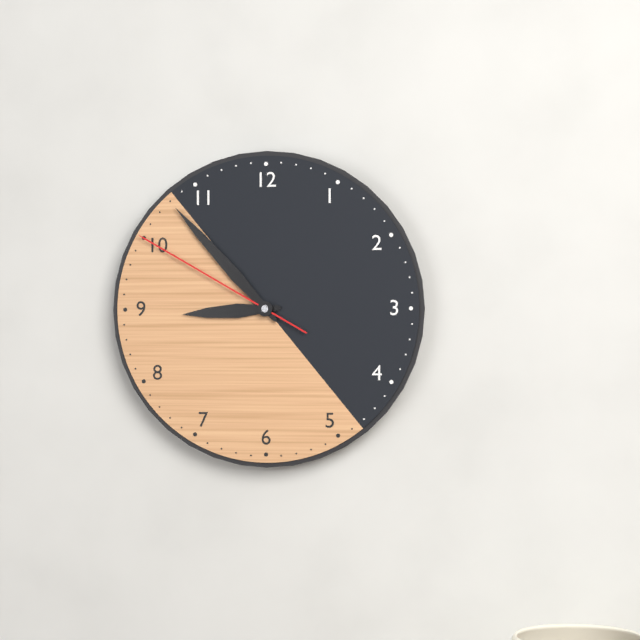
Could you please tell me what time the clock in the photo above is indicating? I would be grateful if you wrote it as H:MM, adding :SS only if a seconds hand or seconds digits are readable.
8:53:50
